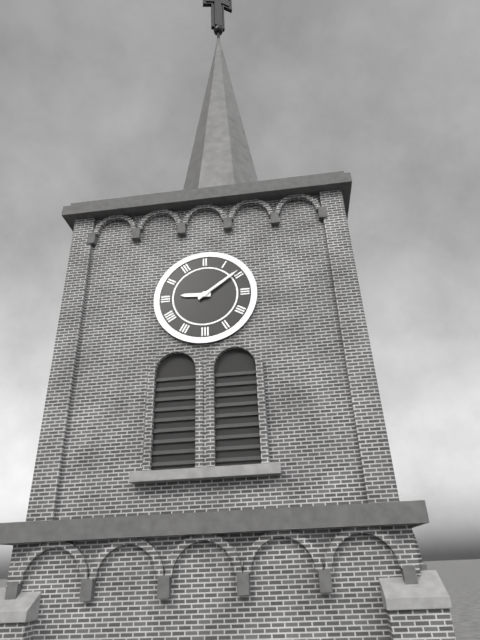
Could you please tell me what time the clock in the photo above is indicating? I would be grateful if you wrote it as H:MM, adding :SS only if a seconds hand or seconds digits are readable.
9:09
